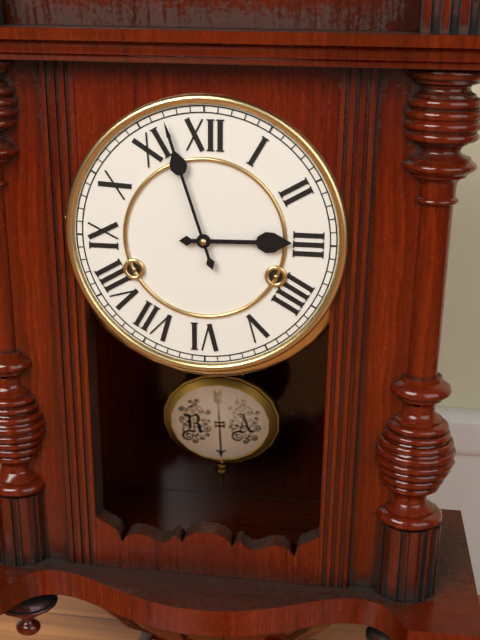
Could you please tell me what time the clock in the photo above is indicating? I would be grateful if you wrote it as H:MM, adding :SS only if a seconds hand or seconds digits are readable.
2:57
